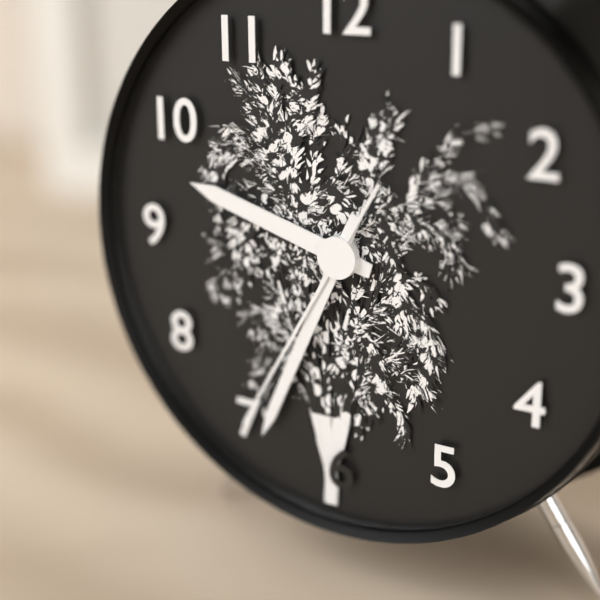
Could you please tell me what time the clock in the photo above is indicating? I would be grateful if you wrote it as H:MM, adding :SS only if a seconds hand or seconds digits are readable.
9:34:35
